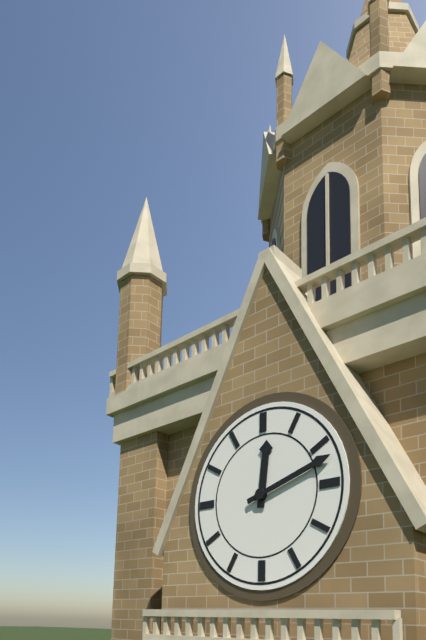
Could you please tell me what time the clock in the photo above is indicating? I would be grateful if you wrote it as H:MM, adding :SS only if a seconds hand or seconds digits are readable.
12:12
